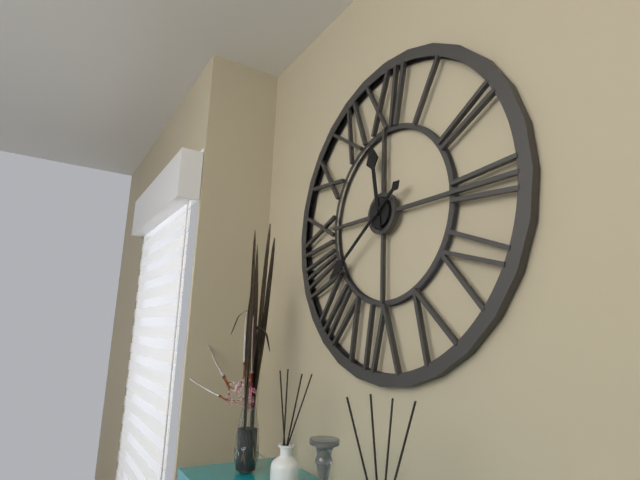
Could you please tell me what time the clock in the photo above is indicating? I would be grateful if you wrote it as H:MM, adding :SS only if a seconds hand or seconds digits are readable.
11:39
